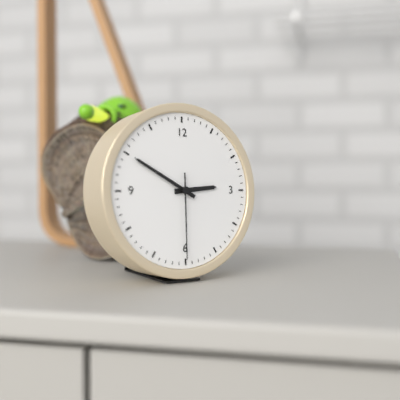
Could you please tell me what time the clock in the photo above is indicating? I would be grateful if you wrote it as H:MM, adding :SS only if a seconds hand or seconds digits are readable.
2:50:30
